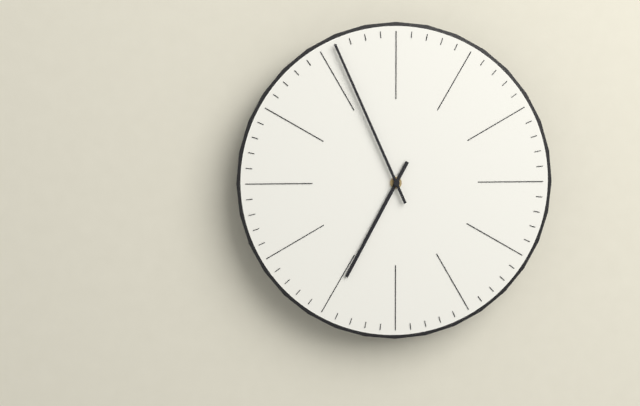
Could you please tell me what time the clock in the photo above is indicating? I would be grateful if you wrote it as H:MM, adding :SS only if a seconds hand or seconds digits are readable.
6:56
